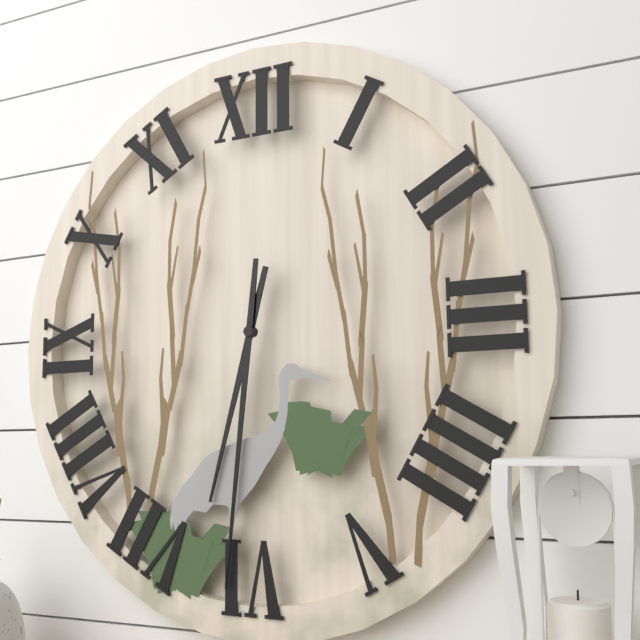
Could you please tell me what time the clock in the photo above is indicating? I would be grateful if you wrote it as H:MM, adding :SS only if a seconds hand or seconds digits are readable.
6:31
